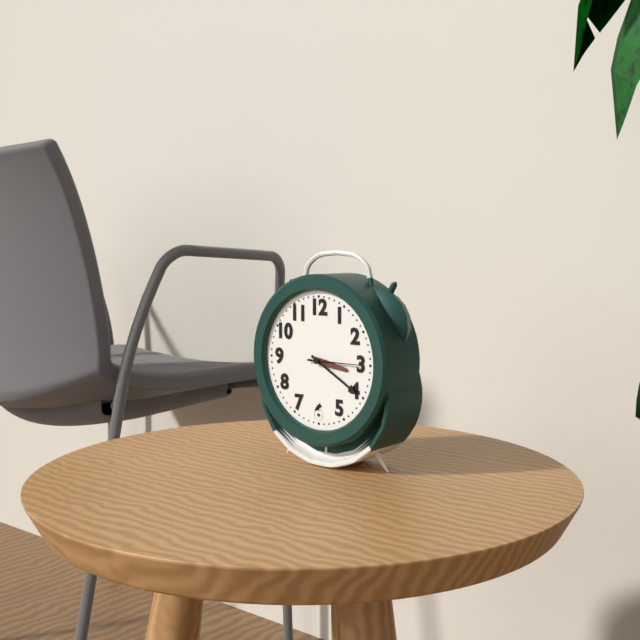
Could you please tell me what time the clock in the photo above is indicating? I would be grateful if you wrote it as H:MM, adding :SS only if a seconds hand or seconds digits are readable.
3:20:15
